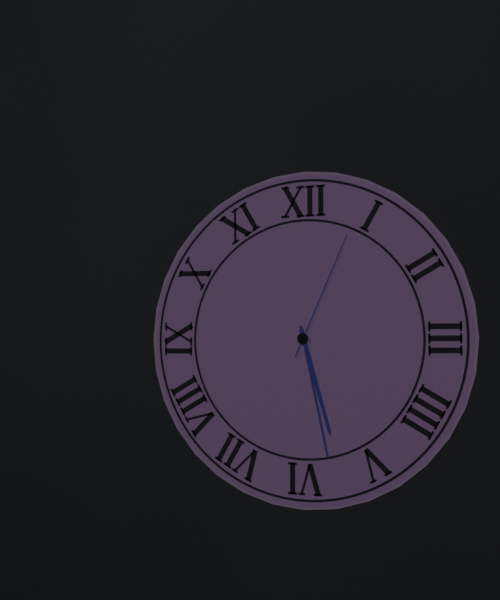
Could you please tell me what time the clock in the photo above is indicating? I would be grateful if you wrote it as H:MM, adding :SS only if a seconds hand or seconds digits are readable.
5:28:04
